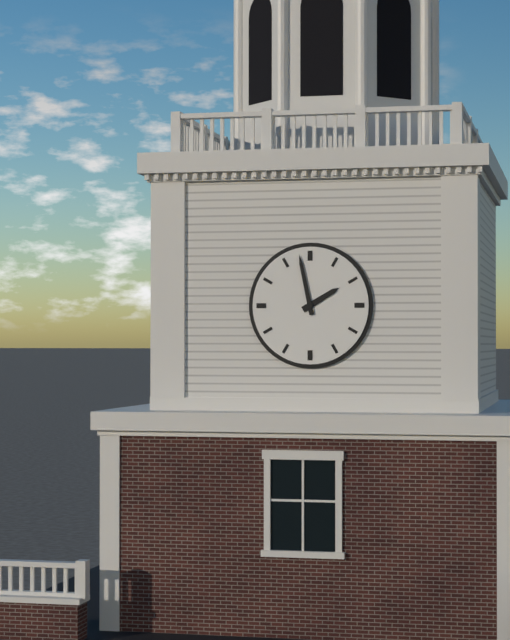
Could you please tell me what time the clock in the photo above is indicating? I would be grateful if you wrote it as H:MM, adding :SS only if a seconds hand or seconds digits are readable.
1:58
